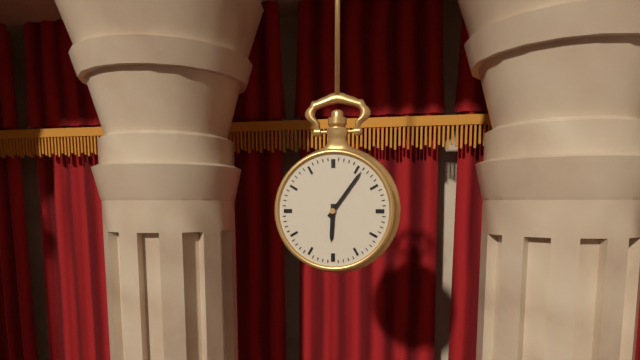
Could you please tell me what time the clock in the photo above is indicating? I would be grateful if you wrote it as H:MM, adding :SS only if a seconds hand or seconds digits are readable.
6:06
